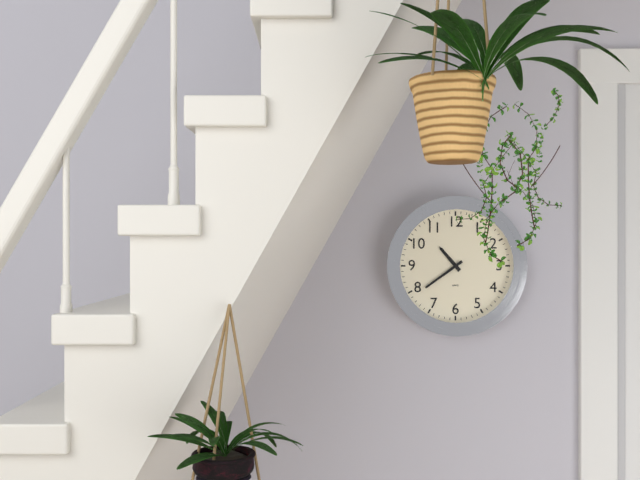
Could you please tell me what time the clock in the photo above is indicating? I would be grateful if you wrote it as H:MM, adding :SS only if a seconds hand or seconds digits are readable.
10:39
